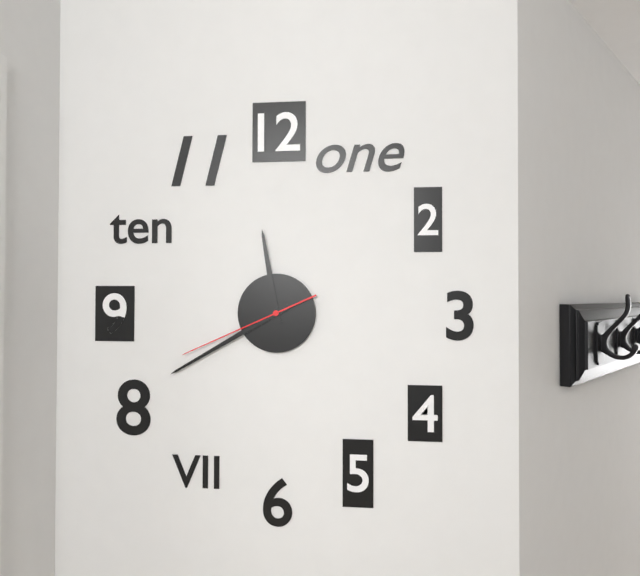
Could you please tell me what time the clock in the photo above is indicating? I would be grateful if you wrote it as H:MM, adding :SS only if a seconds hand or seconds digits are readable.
11:40:41
